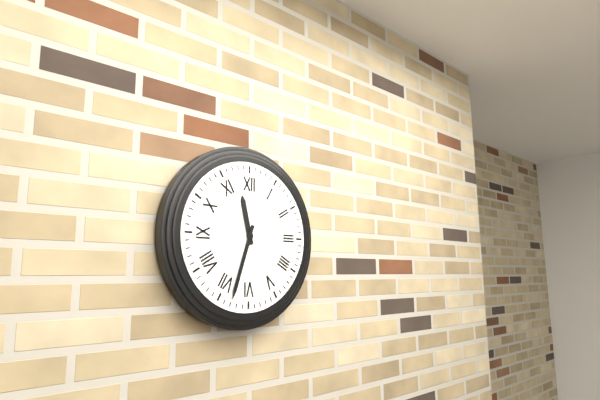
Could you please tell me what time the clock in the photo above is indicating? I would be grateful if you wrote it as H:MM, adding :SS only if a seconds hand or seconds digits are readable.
11:33
